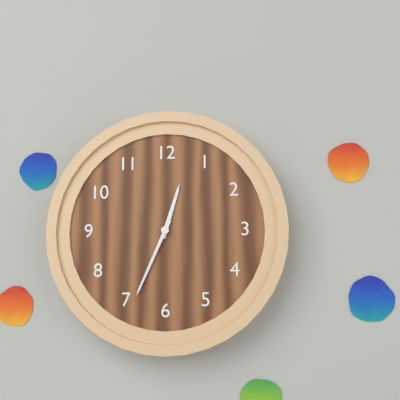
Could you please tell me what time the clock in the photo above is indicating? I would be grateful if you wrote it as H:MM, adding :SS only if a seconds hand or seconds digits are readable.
12:34
